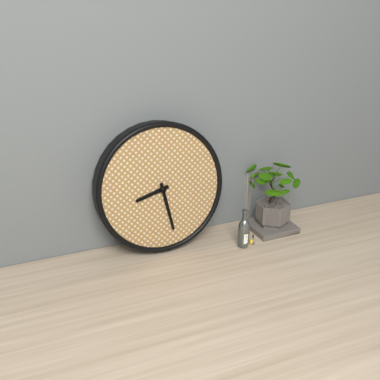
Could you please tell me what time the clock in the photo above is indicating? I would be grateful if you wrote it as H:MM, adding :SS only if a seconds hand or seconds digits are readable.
8:28
